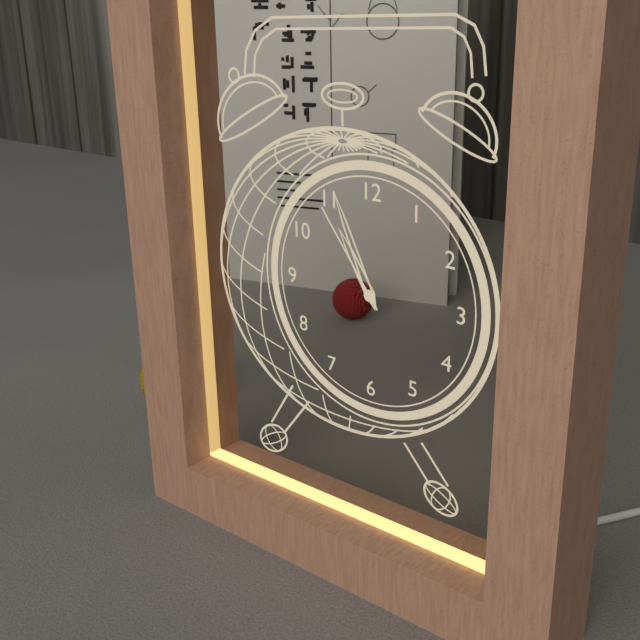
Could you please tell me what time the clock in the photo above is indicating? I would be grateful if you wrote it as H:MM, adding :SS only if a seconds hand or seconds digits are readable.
10:56:54
